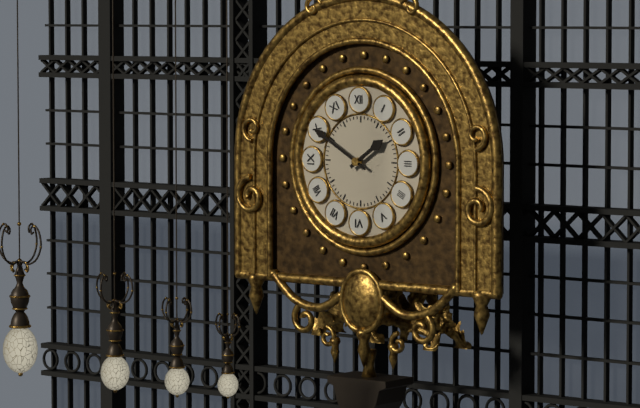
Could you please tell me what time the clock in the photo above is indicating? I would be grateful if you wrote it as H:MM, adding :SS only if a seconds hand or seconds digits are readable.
1:50
